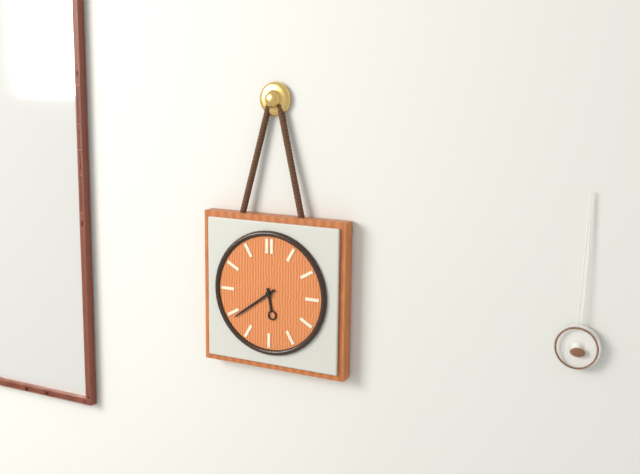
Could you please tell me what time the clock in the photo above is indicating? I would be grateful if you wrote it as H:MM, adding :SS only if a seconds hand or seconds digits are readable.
5:39
